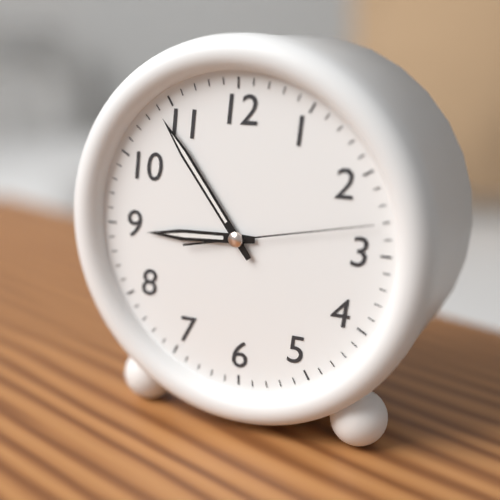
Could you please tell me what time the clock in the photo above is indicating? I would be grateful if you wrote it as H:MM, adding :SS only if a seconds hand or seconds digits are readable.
8:54:13
